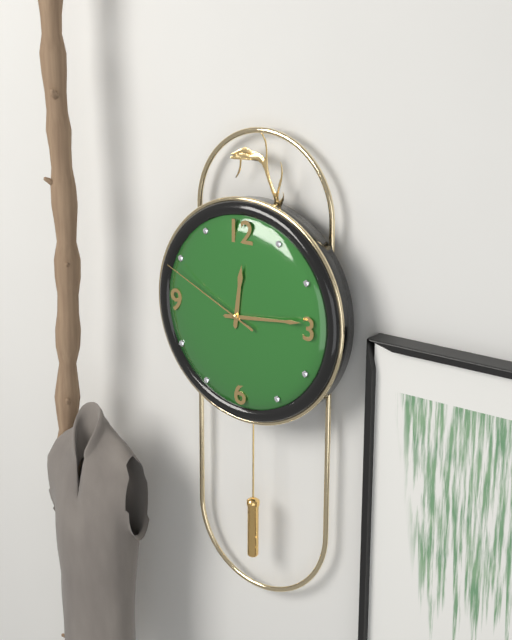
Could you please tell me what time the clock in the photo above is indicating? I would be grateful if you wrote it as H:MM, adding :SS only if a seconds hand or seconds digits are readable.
12:14:49
